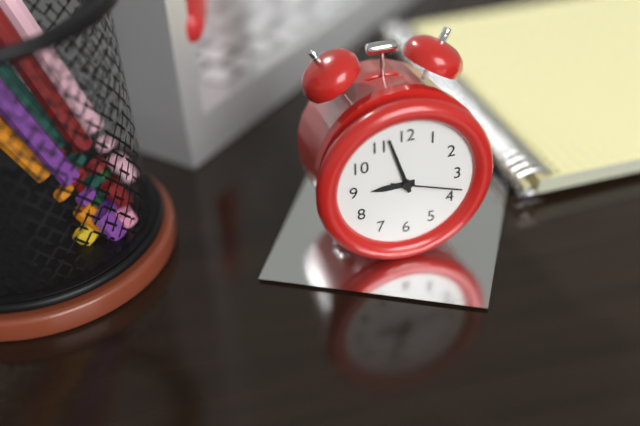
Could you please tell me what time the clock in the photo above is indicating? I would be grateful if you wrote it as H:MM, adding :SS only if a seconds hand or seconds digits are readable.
8:57:18
